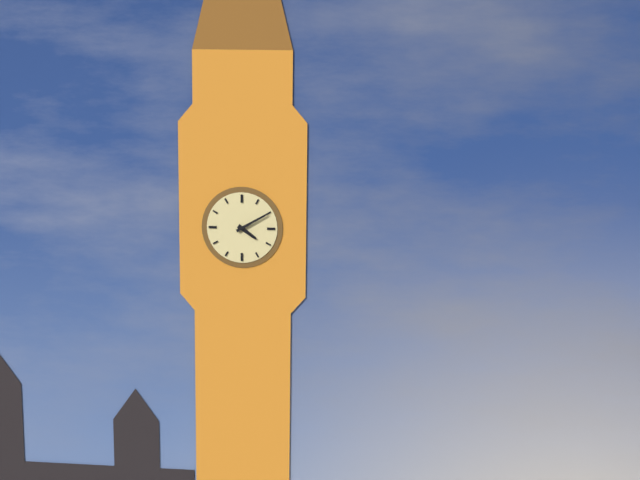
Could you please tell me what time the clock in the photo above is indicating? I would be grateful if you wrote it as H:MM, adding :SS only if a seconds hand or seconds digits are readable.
4:10
